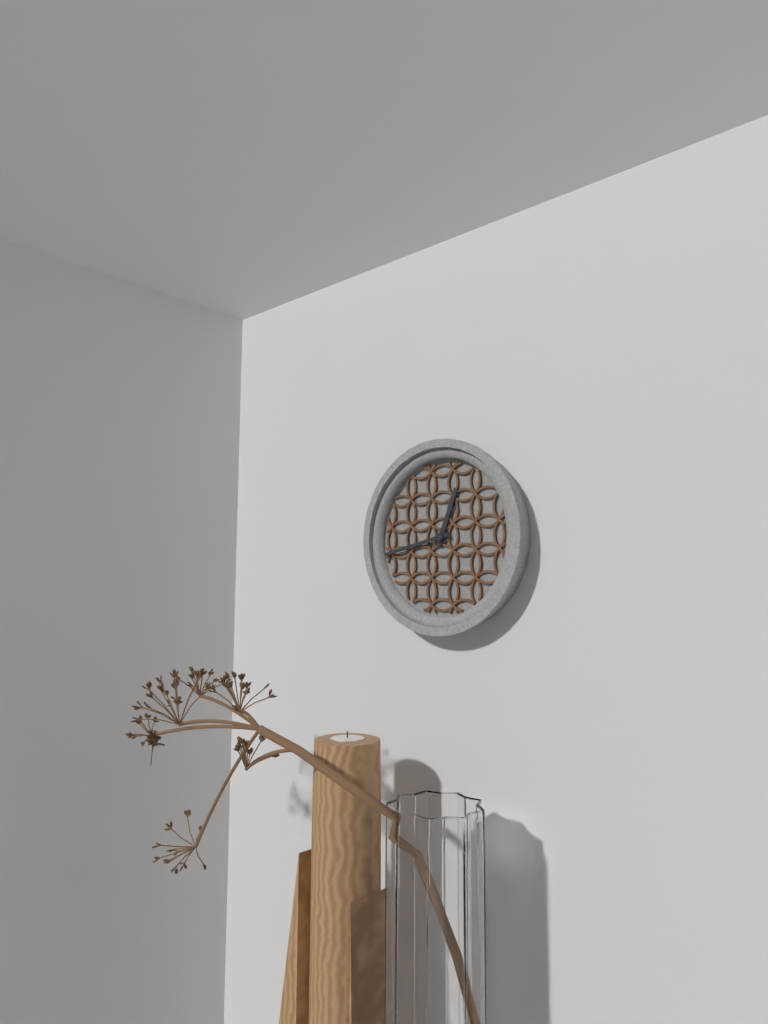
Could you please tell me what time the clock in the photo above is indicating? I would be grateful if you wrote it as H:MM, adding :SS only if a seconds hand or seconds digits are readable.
12:43
